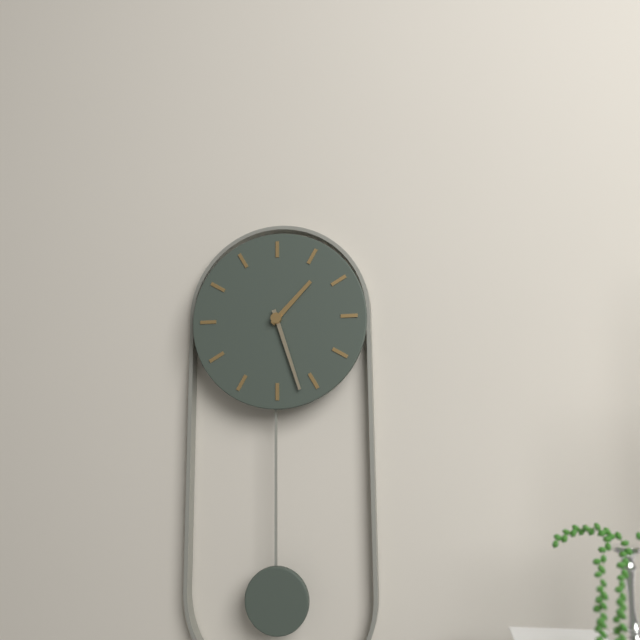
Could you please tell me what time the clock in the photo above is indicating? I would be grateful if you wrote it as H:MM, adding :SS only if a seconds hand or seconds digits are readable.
1:27
